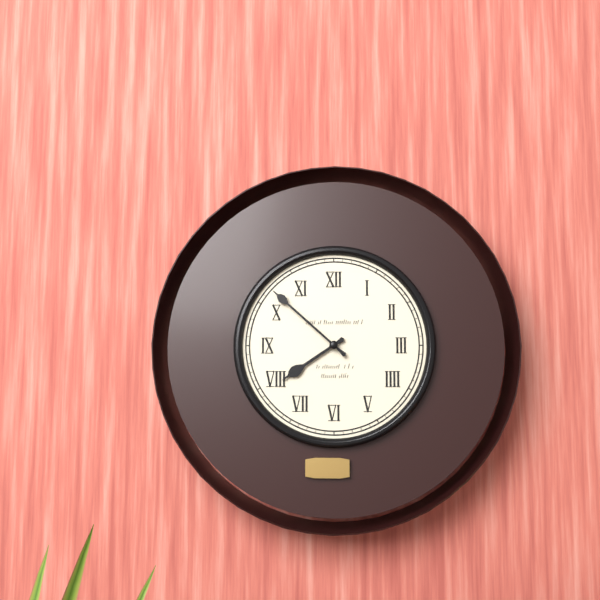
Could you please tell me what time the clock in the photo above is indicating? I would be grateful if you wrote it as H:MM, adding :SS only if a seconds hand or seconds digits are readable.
7:52
